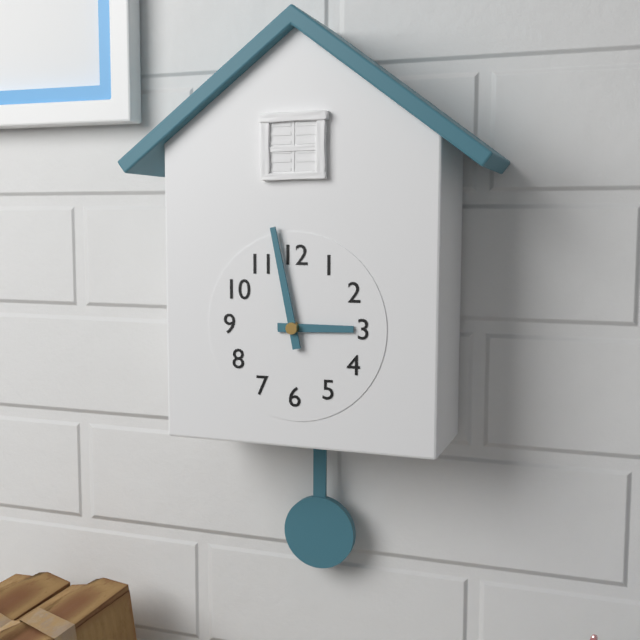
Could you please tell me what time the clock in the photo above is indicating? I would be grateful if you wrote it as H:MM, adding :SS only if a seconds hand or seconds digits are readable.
2:58
